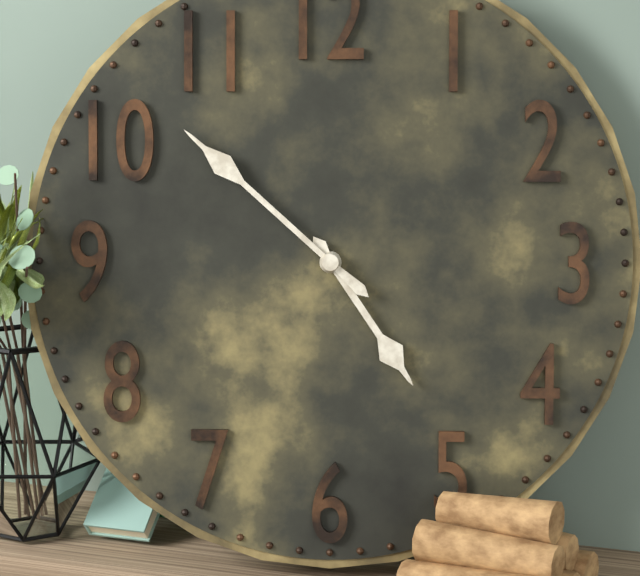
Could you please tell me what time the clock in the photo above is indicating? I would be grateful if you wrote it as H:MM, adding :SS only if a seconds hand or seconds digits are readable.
4:52
